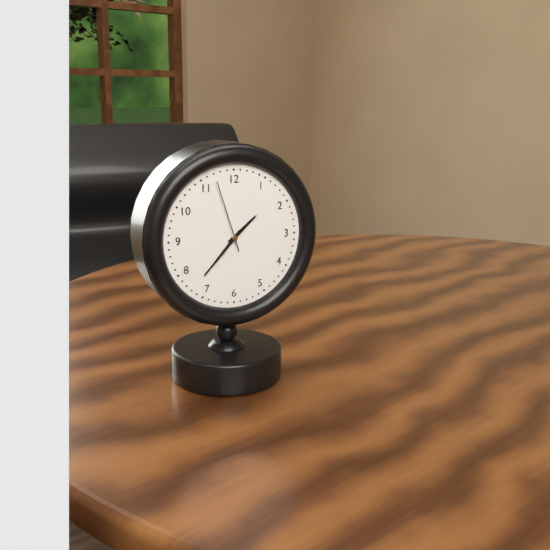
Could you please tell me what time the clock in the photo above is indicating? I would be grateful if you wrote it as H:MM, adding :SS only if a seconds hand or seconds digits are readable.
1:37:57
